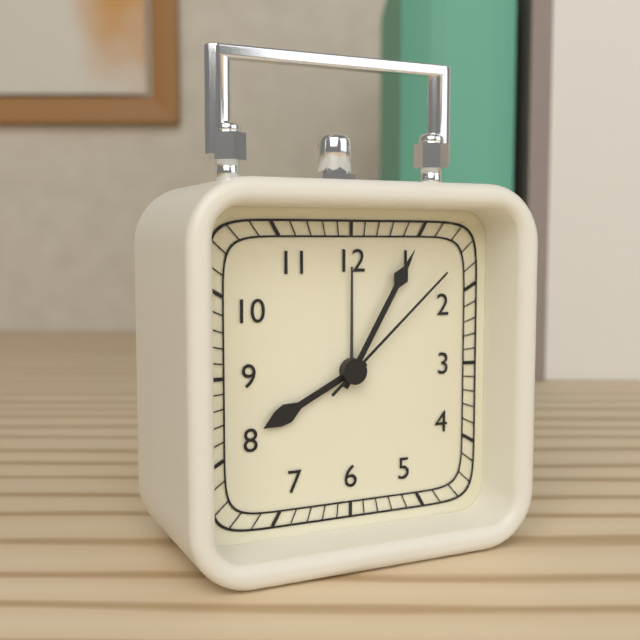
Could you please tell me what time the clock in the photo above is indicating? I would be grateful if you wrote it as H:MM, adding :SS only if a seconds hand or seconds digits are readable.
8:05:08
